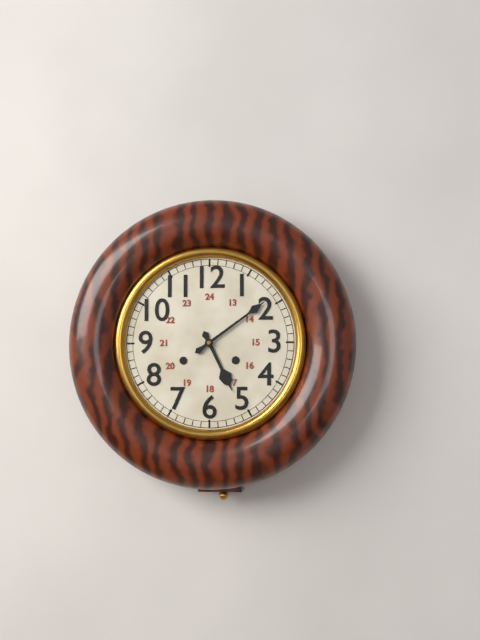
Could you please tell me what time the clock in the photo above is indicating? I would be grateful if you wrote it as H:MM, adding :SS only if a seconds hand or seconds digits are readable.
5:09
